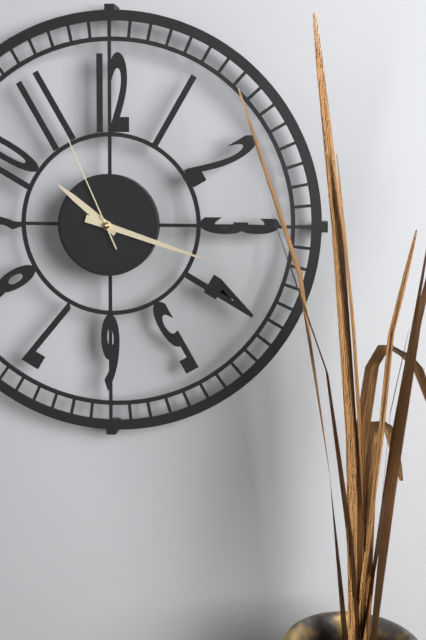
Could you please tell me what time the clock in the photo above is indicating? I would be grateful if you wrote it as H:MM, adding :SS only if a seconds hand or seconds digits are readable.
10:18:56
